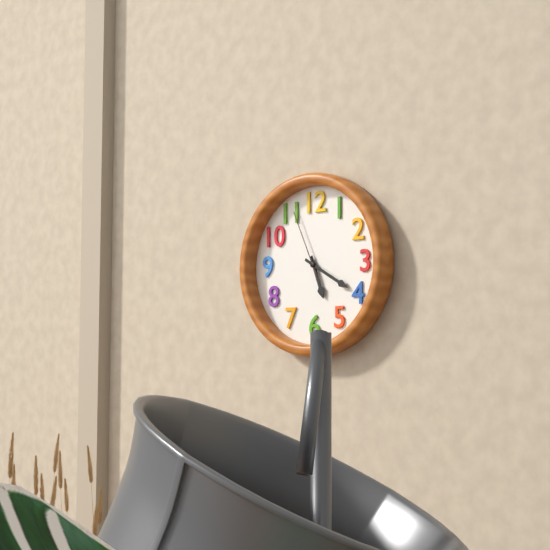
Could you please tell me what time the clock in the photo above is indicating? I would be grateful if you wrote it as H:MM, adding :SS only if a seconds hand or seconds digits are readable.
5:20:56
